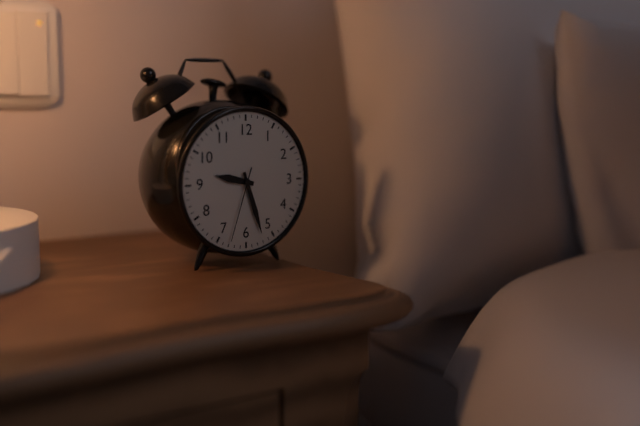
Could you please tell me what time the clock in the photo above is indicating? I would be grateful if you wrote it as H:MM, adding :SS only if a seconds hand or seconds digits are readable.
9:27:33
